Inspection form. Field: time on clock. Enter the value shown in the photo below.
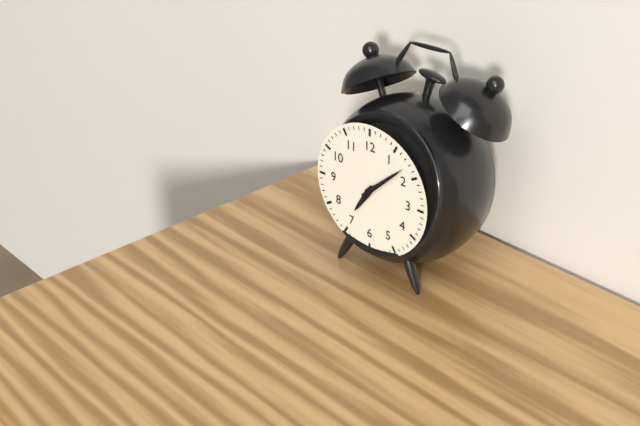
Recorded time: 7:08
